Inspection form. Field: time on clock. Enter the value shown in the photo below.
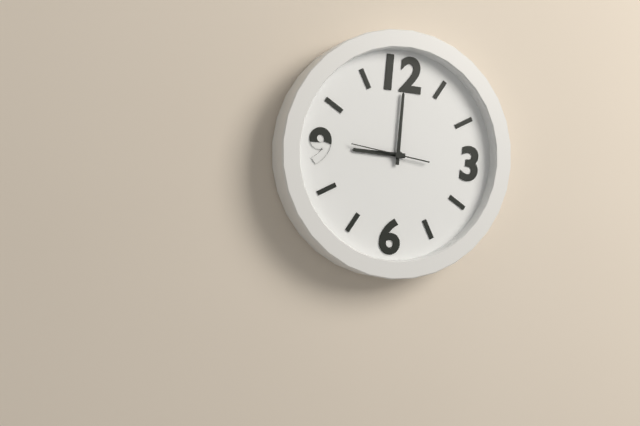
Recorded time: 9:00:46
